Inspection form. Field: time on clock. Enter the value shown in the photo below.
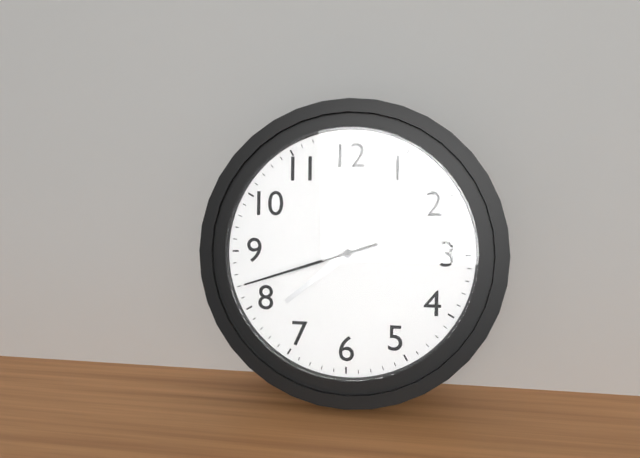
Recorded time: 7:42
